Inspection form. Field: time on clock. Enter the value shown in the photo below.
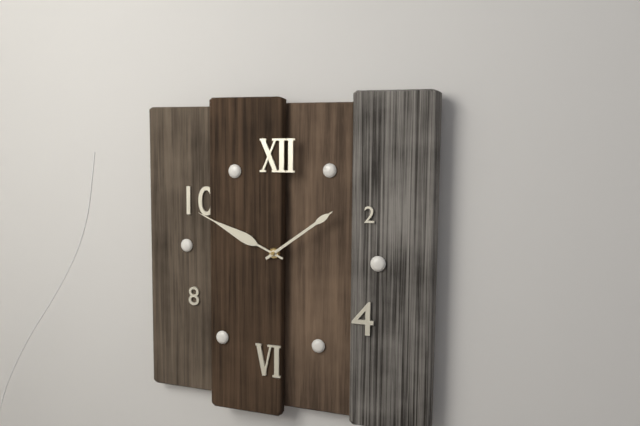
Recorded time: 1:49
